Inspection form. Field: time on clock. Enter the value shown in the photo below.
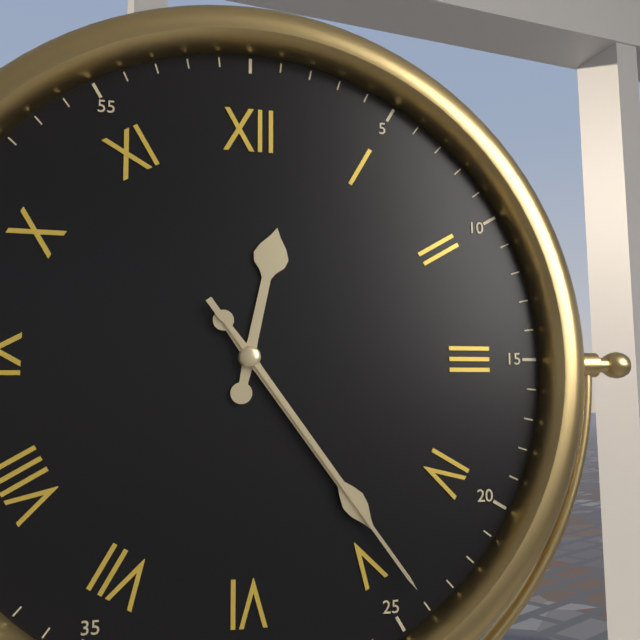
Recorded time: 12:24:24
